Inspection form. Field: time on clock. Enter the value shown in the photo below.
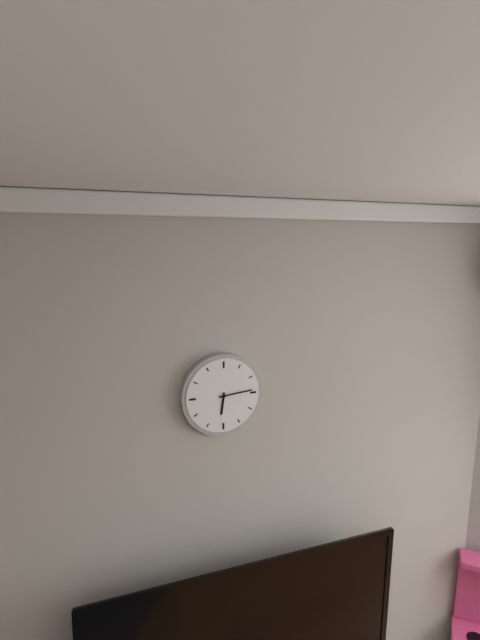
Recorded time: 6:14
